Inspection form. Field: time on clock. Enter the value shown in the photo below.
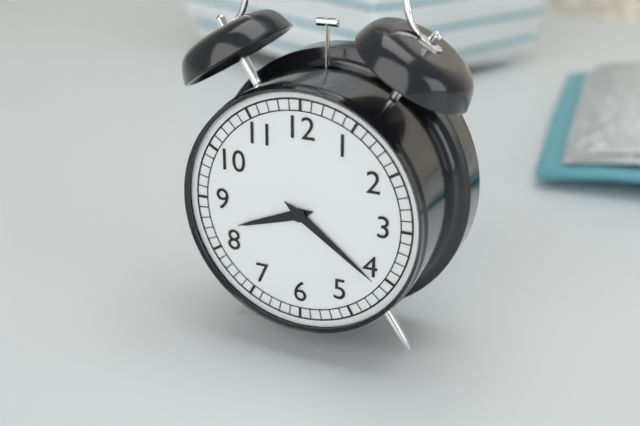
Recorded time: 8:21
